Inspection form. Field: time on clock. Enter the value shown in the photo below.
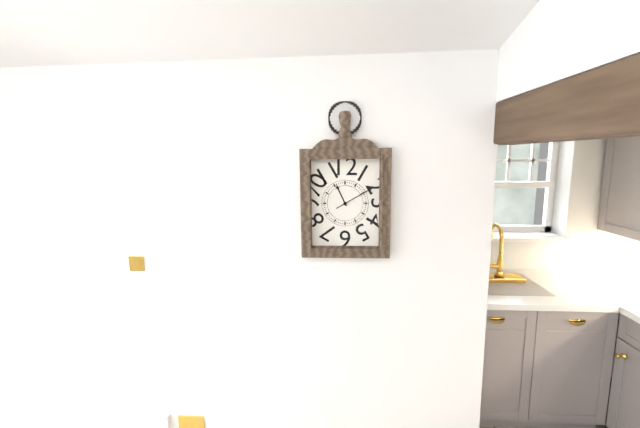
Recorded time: 11:10
